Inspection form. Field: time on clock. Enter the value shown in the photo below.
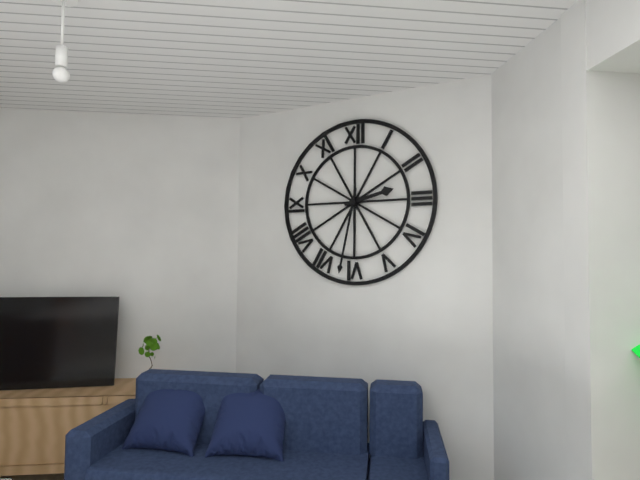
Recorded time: 2:32
